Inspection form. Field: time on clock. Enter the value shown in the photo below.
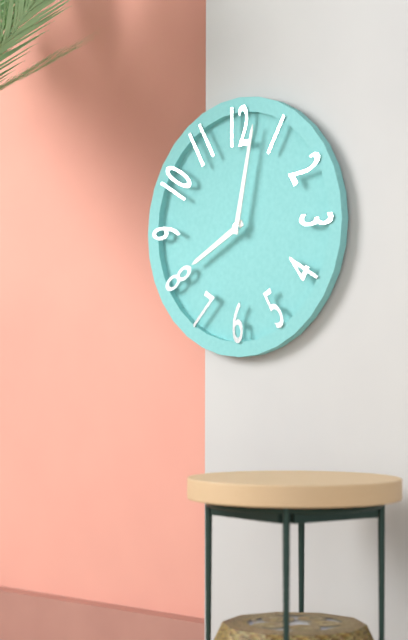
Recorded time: 8:02
